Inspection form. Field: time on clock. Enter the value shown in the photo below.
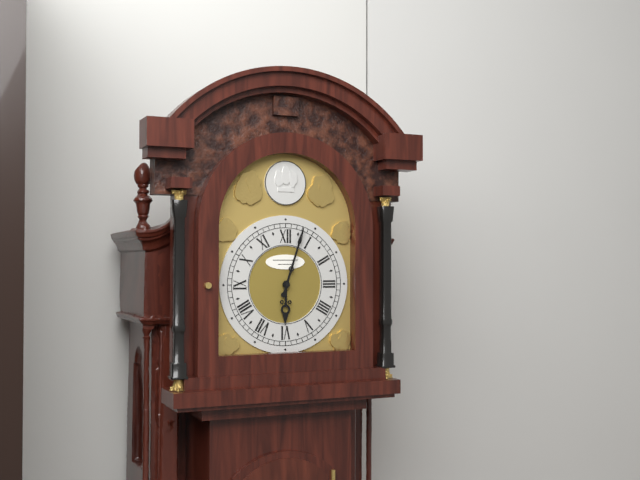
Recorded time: 6:03
